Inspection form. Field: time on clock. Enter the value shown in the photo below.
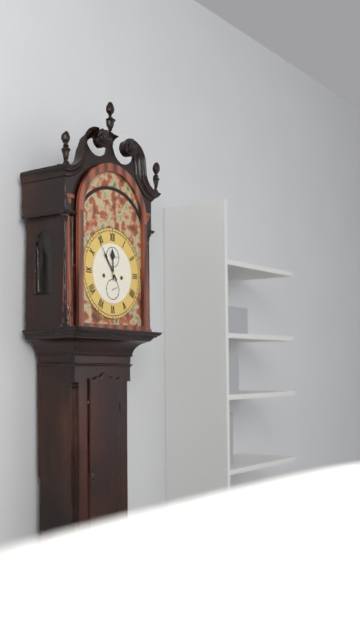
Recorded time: 11:54
